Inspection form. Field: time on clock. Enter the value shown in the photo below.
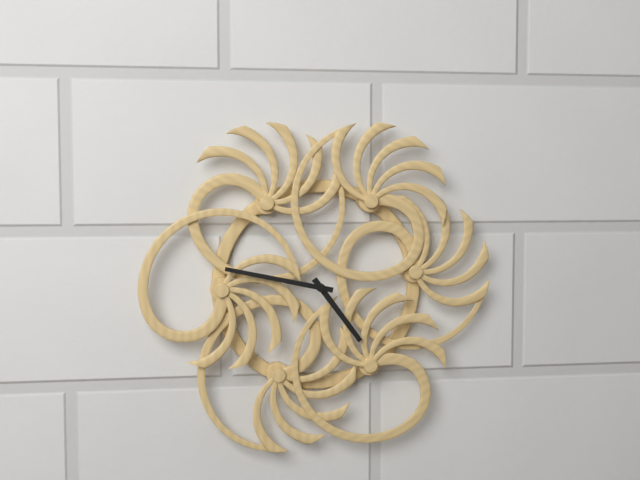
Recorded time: 4:47
